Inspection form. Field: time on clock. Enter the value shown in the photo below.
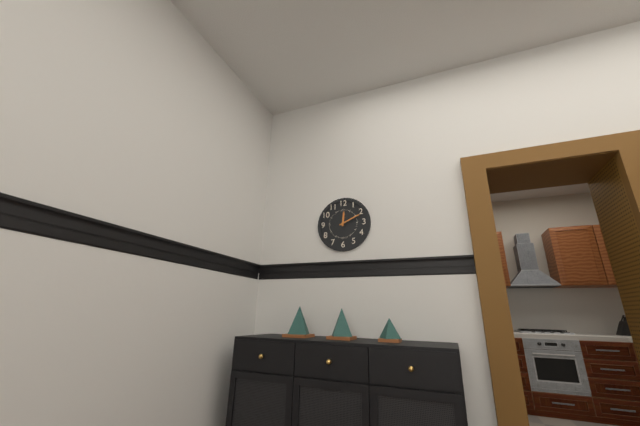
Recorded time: 12:11
